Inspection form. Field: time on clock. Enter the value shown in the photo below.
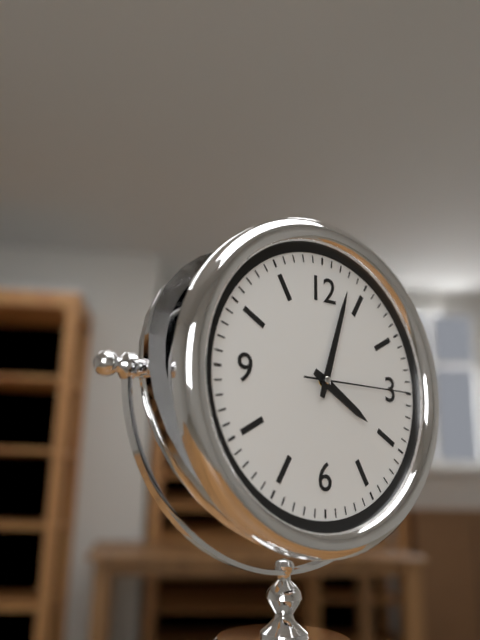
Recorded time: 4:03:15
